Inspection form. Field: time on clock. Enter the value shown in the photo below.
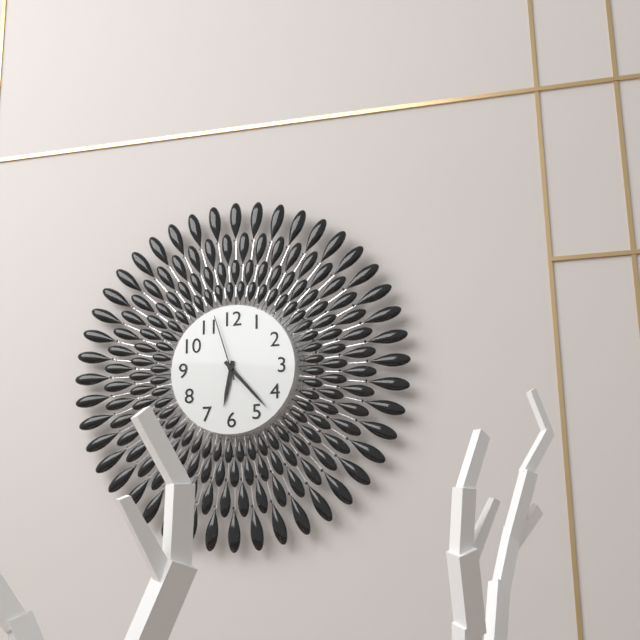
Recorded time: 6:23:57
